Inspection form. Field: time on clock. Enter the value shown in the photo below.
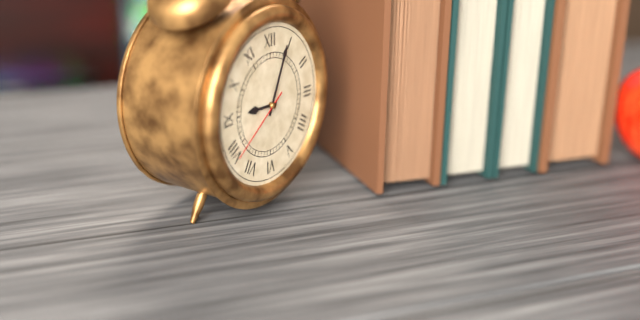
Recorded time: 9:04:39
